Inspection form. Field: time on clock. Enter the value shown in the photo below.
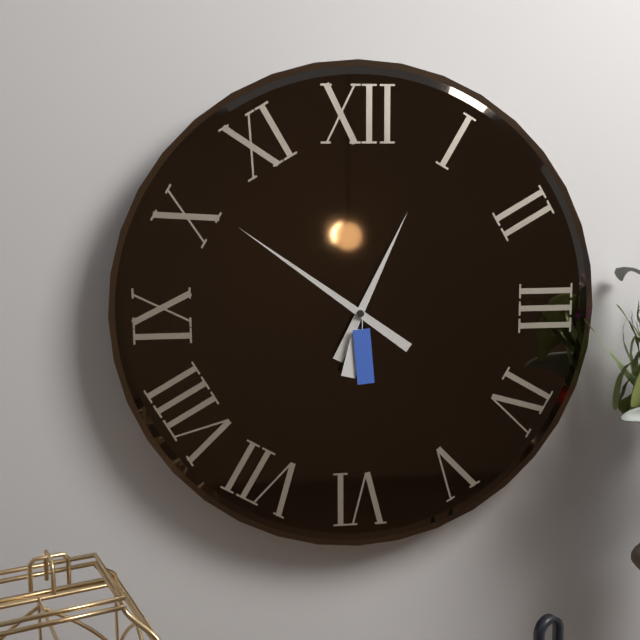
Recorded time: 12:51
